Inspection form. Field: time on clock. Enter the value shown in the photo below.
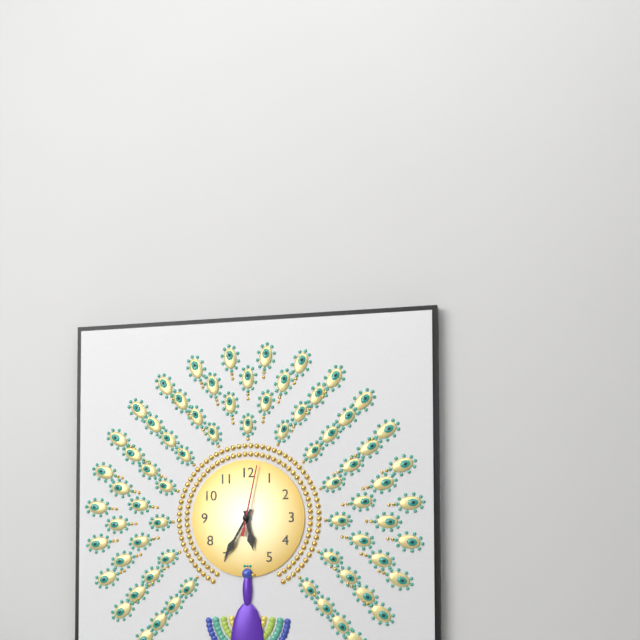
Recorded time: 5:35:02
